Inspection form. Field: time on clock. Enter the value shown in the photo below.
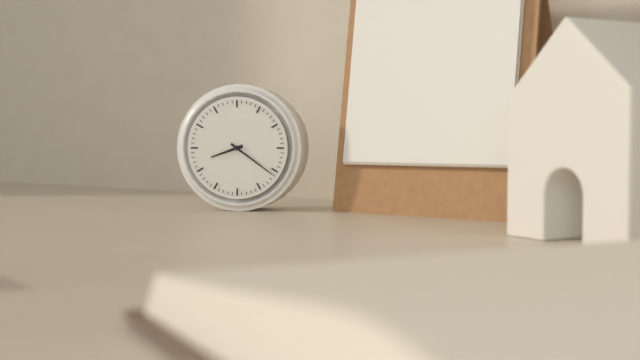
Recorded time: 8:21
